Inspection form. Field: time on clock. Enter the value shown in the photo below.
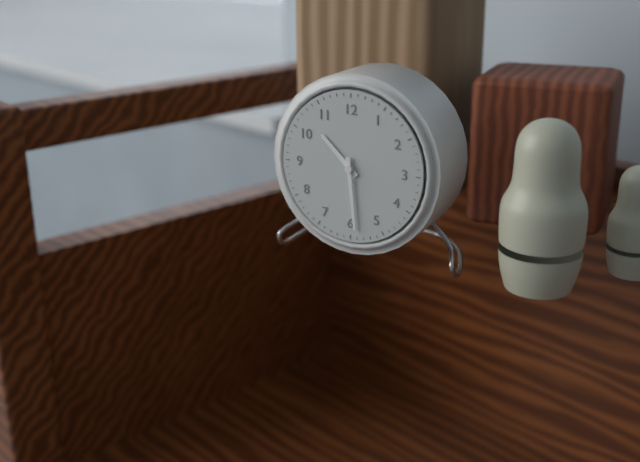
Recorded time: 10:29
